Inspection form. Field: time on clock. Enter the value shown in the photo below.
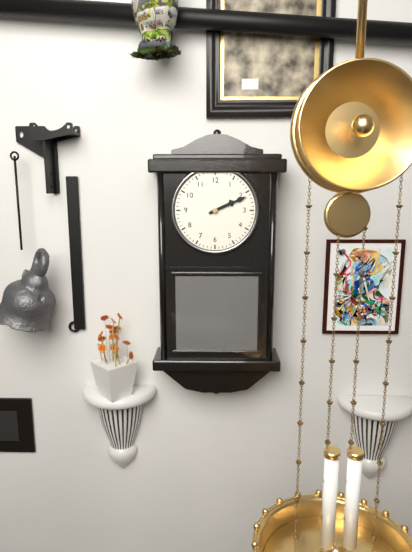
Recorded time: 2:11
